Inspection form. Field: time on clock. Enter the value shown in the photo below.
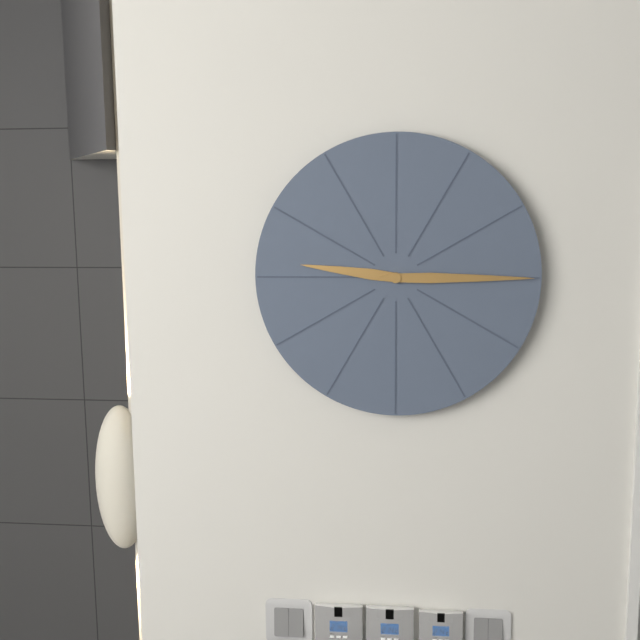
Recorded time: 9:15
